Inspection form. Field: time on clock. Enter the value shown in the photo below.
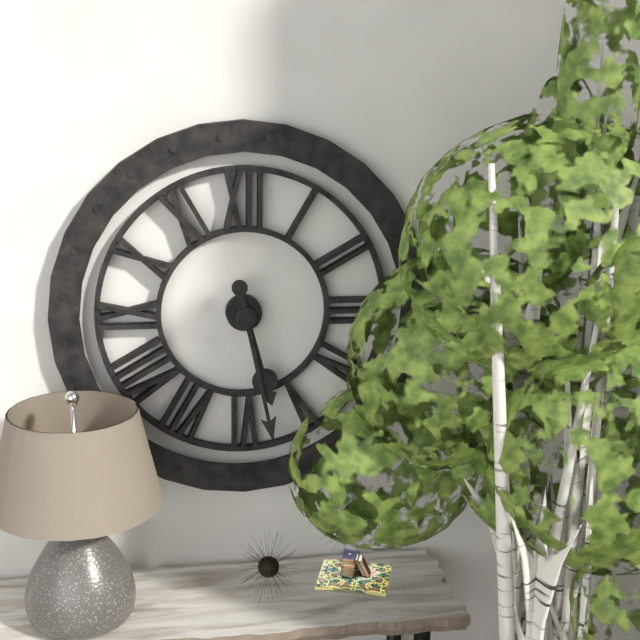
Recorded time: 5:28
